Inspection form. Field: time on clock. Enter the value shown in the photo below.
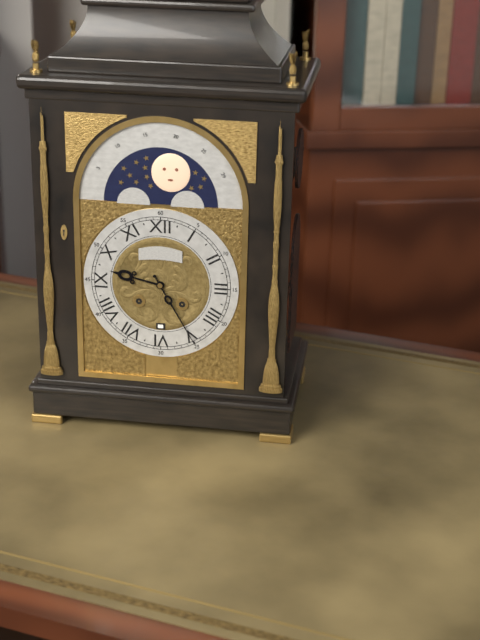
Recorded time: 9:25
